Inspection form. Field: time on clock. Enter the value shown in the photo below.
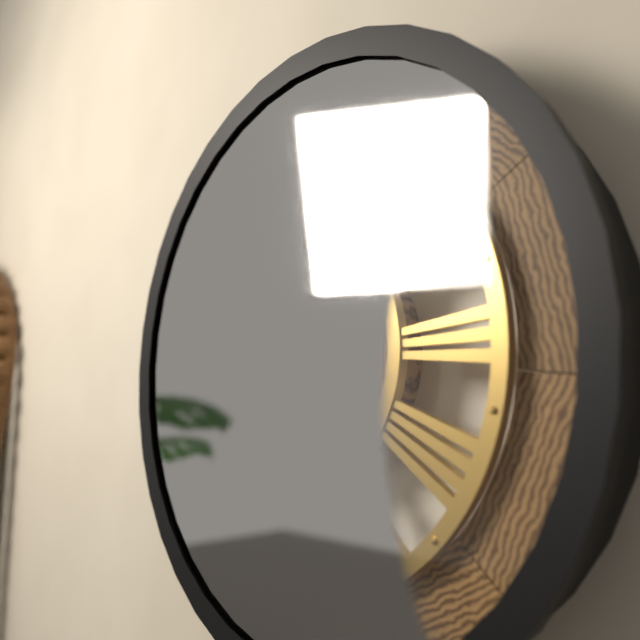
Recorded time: 9:30
